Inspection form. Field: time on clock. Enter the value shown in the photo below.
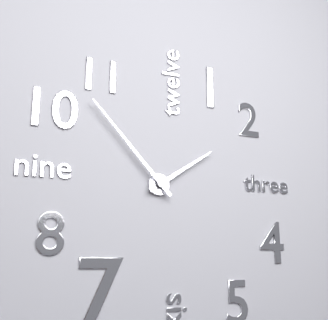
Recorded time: 1:53
